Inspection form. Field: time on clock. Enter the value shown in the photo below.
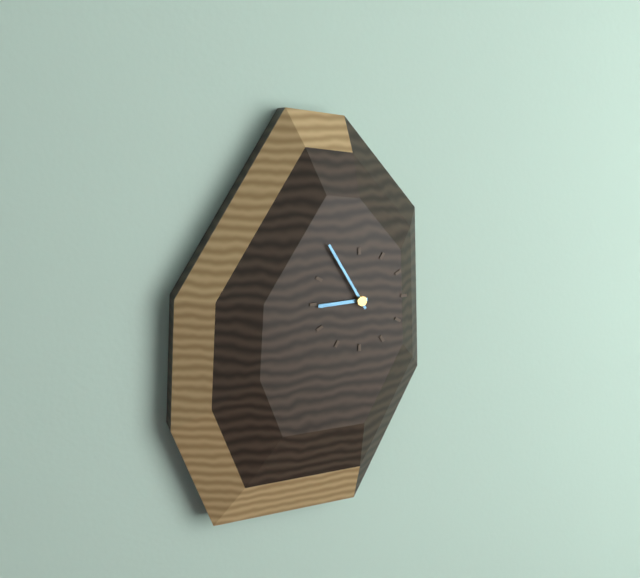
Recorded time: 8:55
